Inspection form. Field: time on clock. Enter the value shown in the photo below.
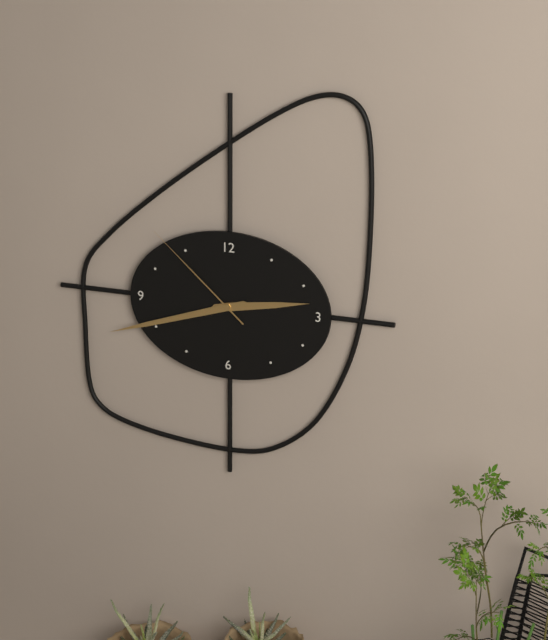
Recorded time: 2:42:52
